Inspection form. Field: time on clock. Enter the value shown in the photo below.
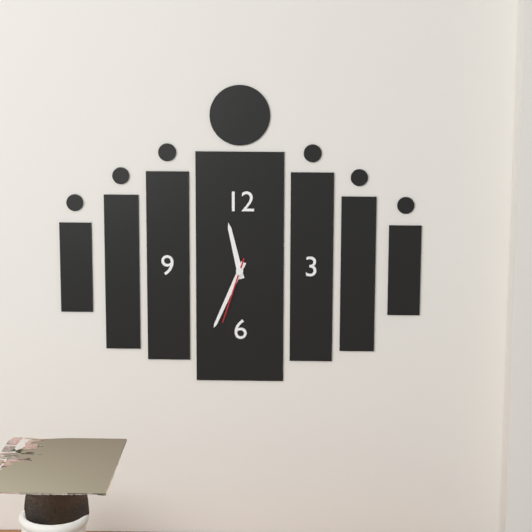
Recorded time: 11:34:33
